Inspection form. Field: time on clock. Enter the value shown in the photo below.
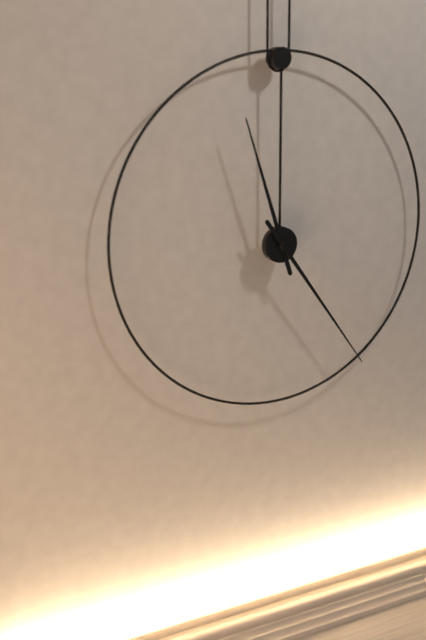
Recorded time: 11:24
